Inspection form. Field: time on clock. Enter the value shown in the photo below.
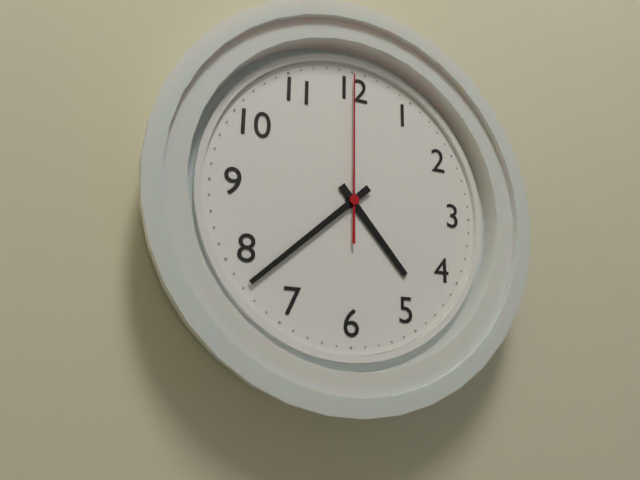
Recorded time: 4:38:00
